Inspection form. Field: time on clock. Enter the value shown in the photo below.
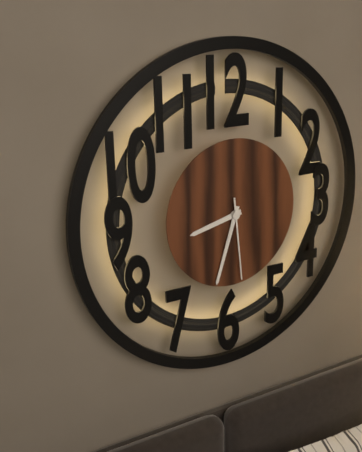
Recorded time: 8:33:29
